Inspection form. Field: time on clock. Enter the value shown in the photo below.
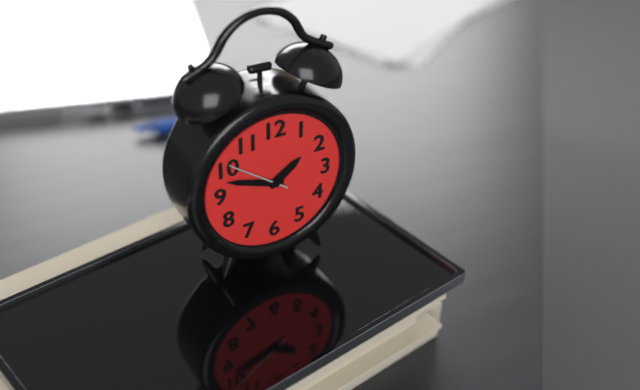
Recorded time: 1:48:51
